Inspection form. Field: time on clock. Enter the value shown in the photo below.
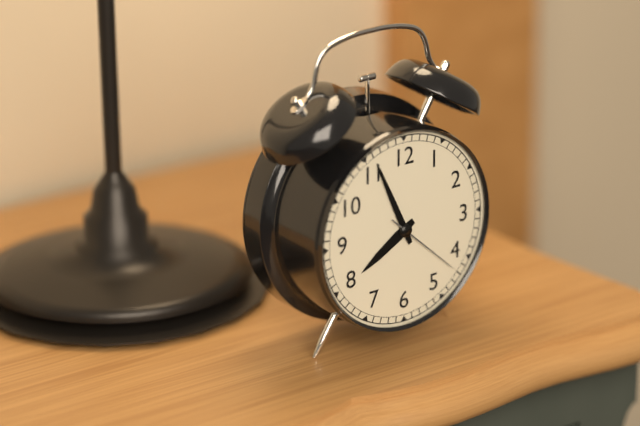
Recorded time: 7:56:22
